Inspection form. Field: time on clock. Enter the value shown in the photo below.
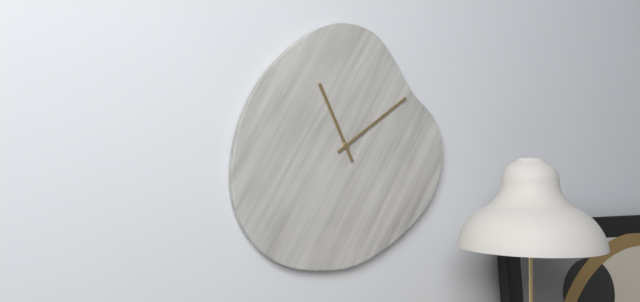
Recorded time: 11:09
